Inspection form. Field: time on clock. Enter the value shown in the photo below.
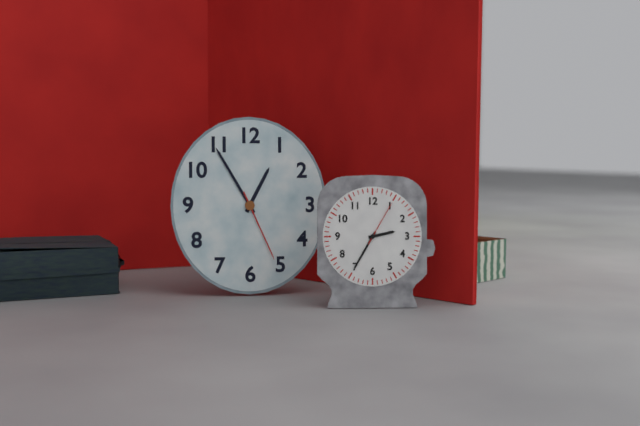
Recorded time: 12:55:26
